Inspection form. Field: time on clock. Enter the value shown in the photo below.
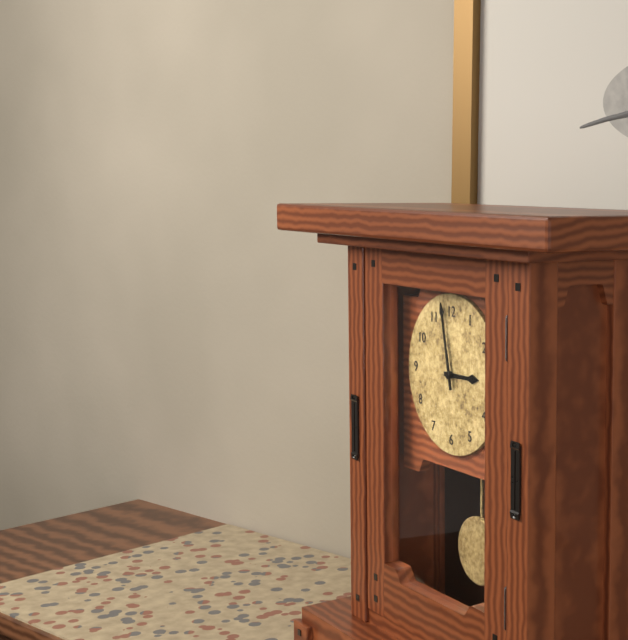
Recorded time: 2:58
